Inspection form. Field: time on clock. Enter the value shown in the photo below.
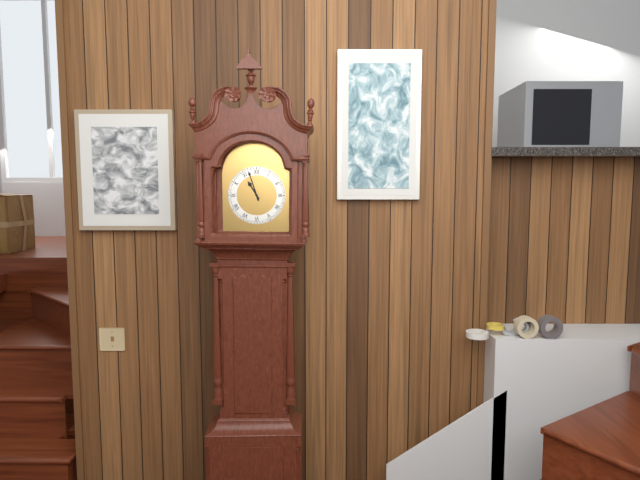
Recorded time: 10:57
